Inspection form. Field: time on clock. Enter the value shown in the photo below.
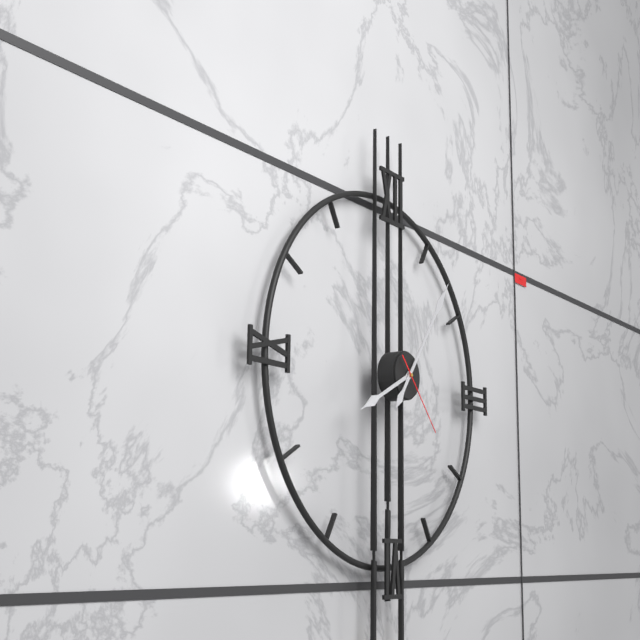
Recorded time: 8:06:23
